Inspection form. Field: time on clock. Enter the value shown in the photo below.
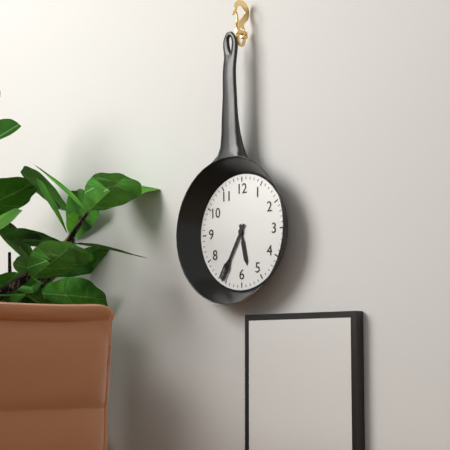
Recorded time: 5:35
